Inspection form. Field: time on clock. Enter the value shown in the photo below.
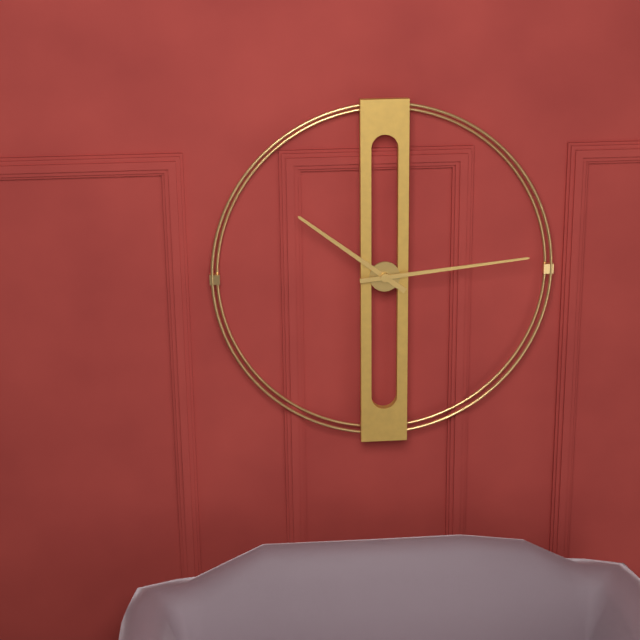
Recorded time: 10:14
